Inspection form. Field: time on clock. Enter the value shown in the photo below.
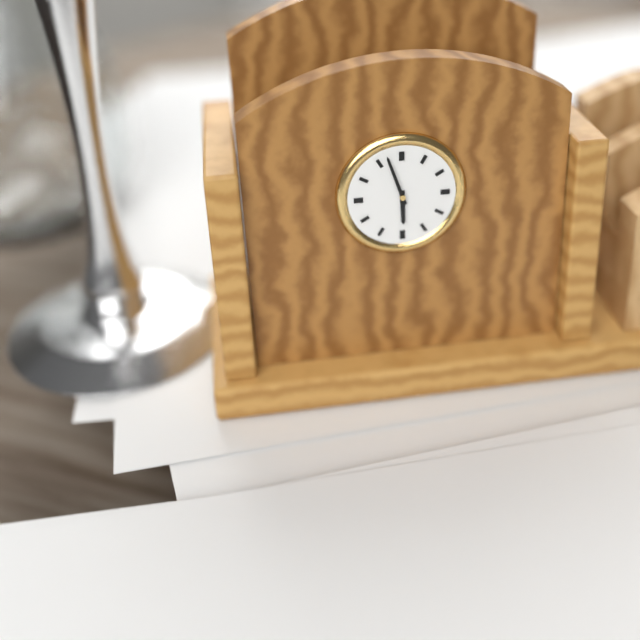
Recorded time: 5:57
